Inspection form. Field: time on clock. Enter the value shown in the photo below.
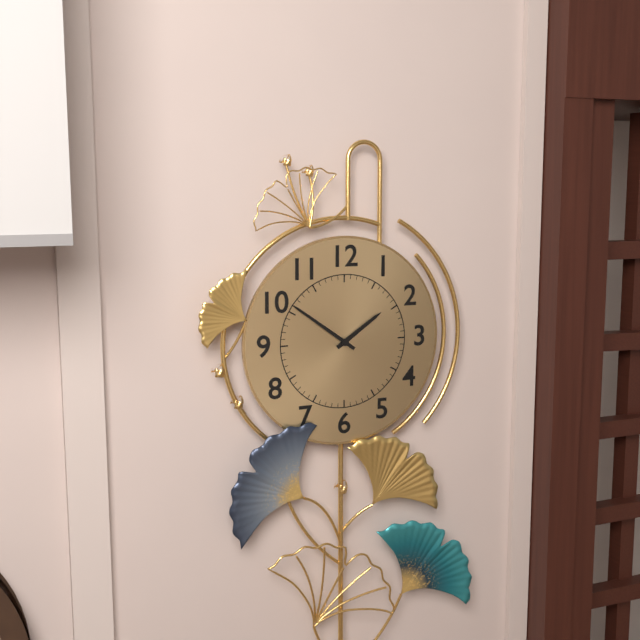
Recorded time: 1:51
